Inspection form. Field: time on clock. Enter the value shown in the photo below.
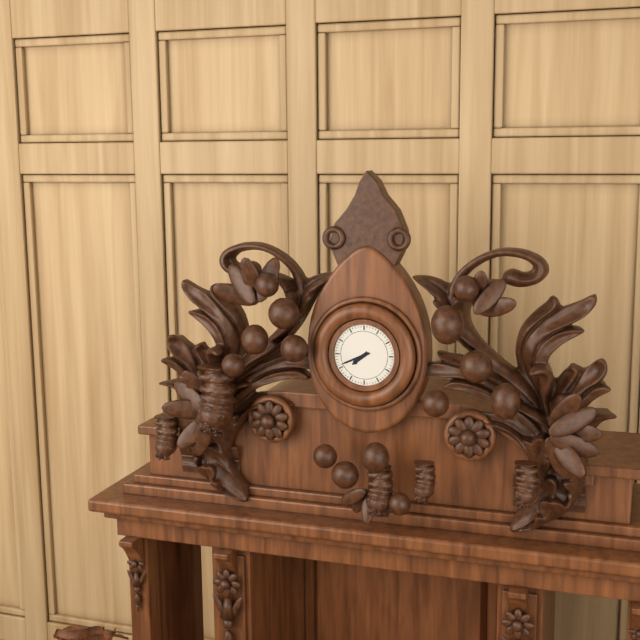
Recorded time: 7:41
